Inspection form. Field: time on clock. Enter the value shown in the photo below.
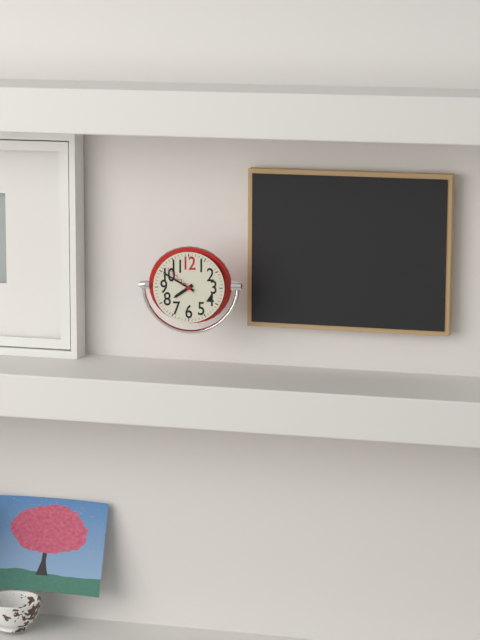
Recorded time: 7:50
